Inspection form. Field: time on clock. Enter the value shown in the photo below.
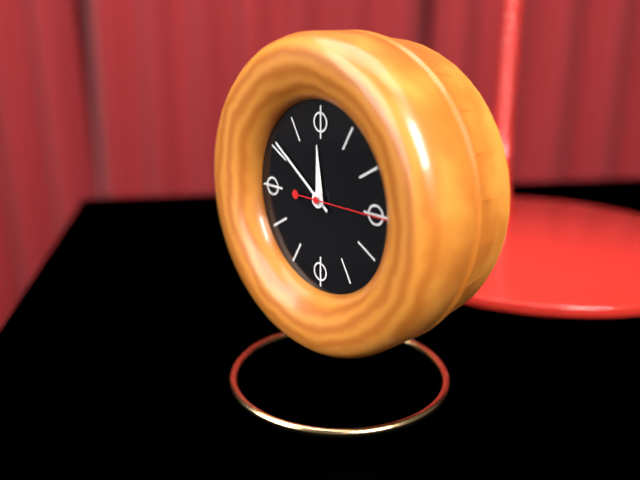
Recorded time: 11:51:15
